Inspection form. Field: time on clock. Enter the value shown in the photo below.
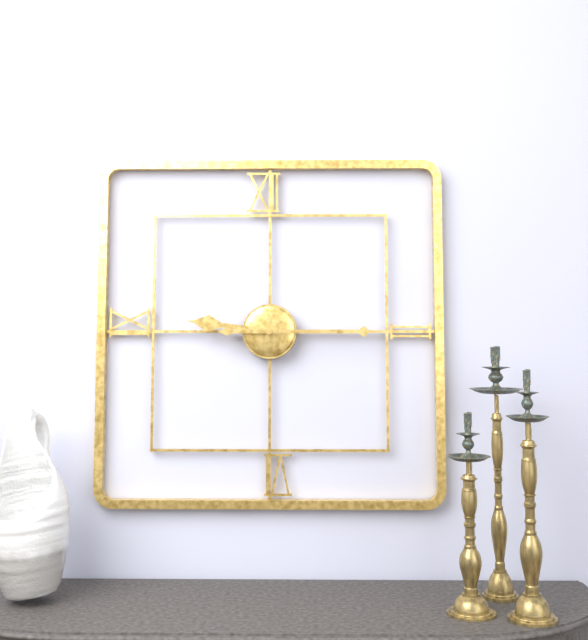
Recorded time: 9:15
